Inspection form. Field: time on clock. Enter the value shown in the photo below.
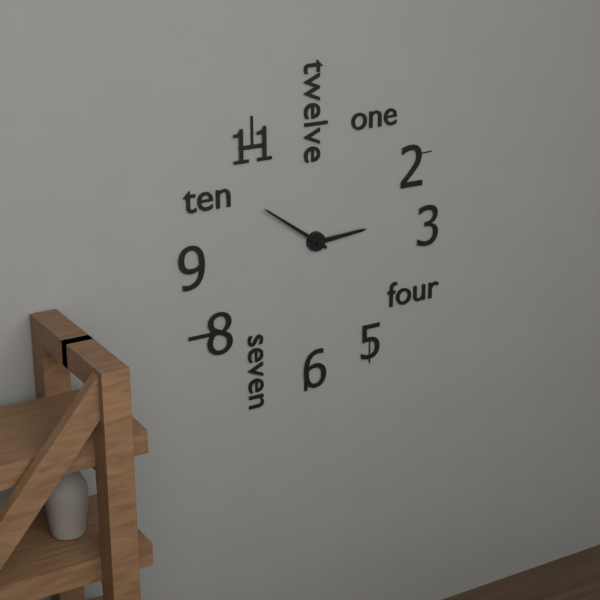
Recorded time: 2:51
